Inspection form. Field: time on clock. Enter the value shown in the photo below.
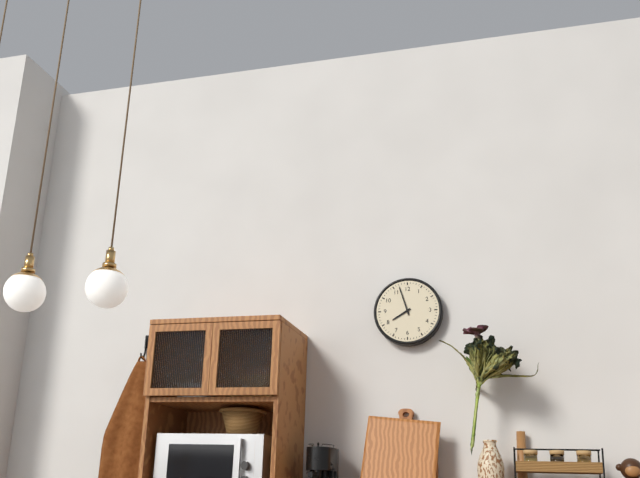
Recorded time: 7:57
